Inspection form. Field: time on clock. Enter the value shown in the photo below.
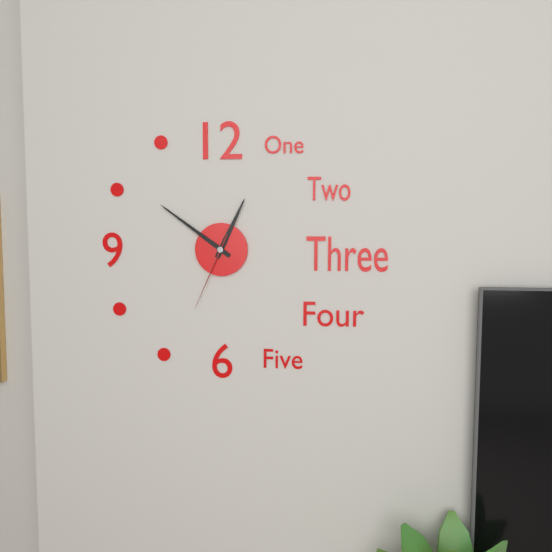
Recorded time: 12:51:34
